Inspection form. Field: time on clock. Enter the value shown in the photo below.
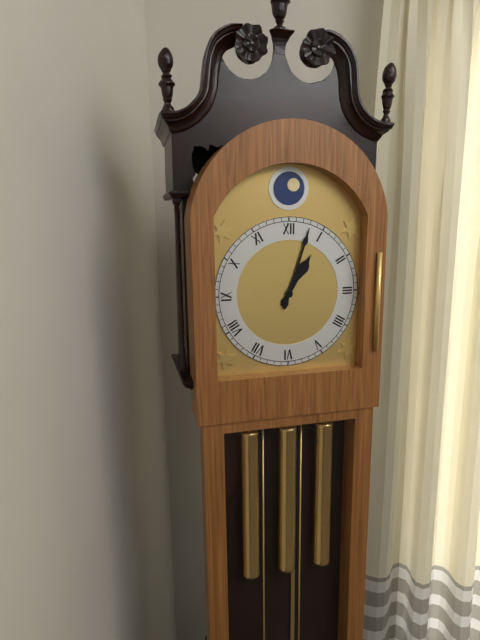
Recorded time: 1:03
